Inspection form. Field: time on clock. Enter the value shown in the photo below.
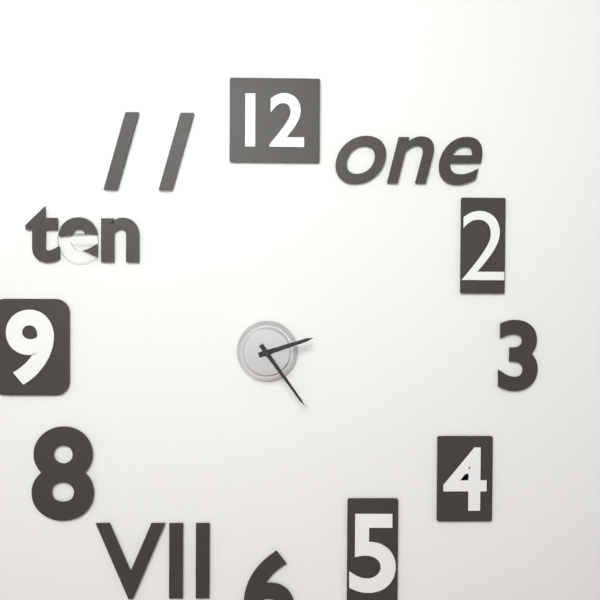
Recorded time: 2:24
